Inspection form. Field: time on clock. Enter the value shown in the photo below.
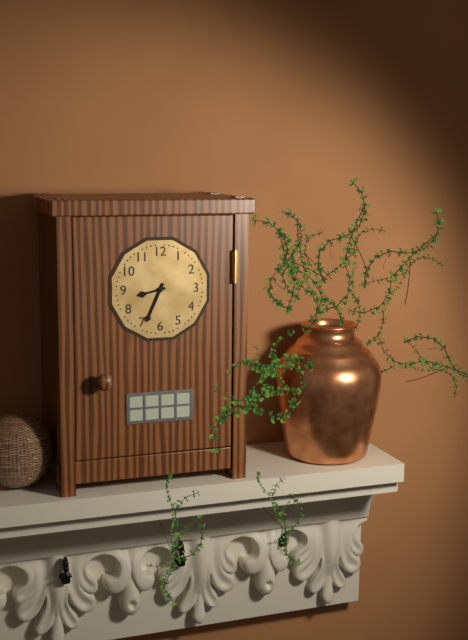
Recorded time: 8:34
